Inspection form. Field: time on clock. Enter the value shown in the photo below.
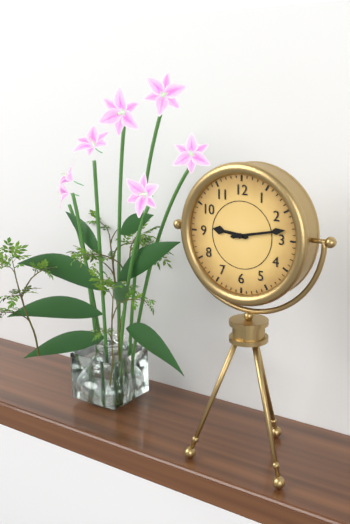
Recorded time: 9:13
